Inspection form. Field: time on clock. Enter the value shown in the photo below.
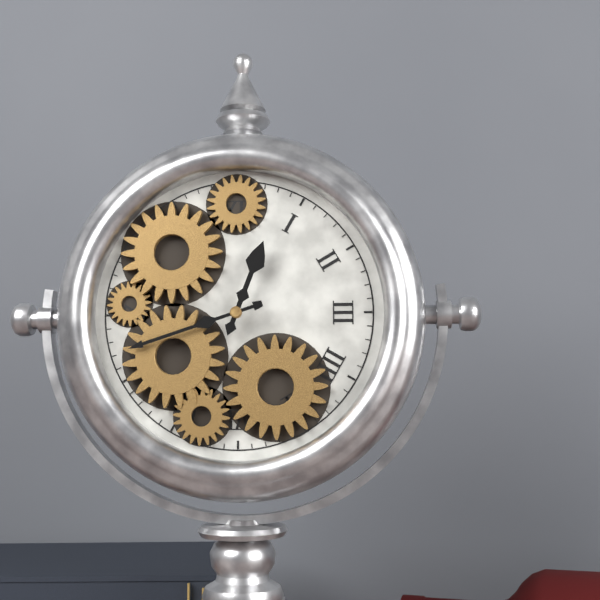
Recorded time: 12:42
